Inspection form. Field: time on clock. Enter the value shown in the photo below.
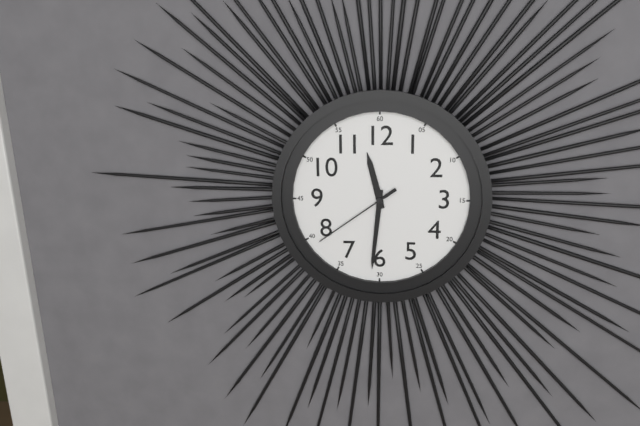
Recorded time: 11:31:39
